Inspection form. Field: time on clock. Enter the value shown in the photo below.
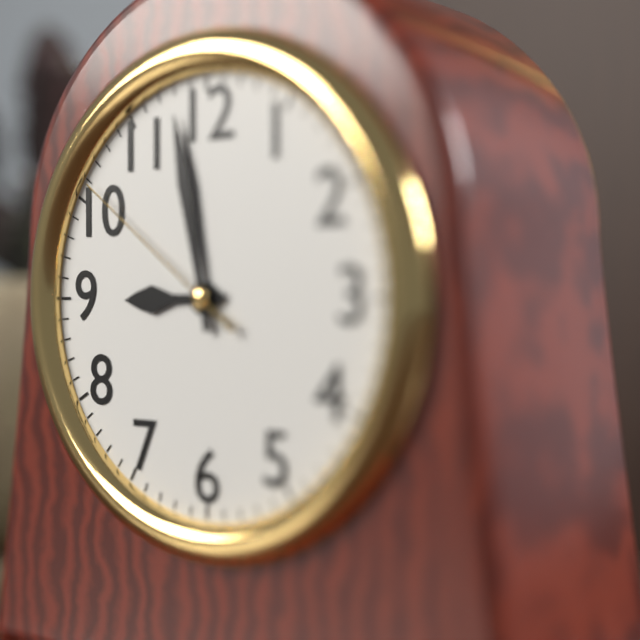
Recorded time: 8:58:51
